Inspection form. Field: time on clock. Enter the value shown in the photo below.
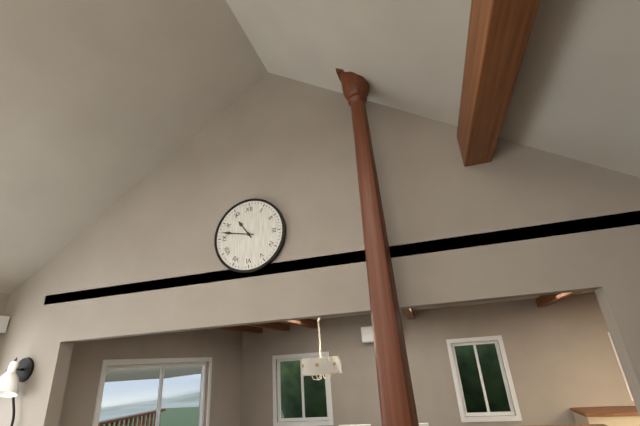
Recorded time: 10:47
